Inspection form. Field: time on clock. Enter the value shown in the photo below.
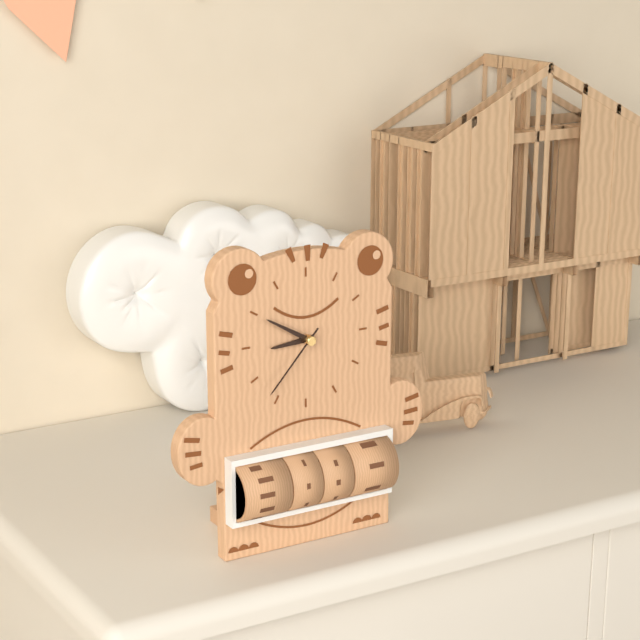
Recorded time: 8:50:37
